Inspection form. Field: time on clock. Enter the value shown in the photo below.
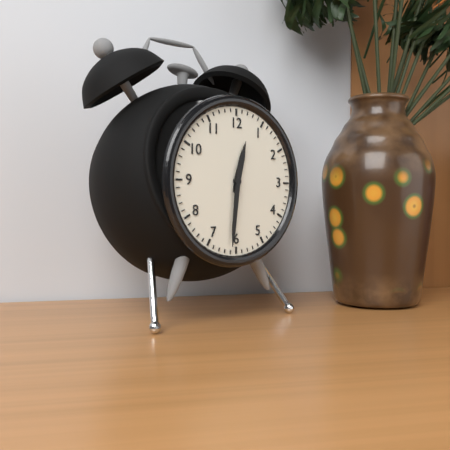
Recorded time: 12:31
